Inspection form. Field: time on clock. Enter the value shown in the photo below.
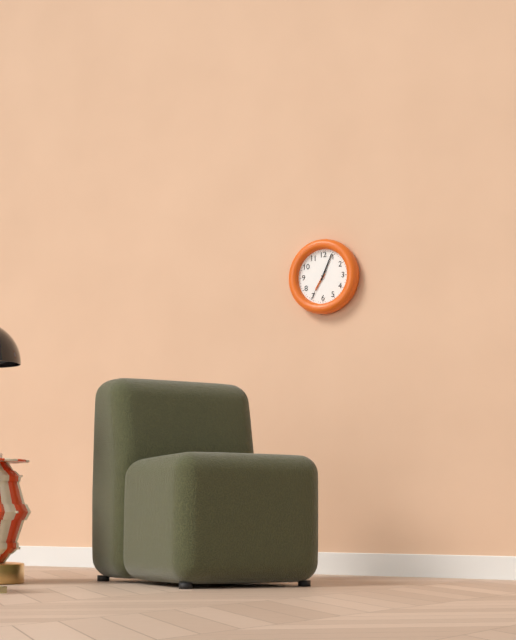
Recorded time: 7:04
